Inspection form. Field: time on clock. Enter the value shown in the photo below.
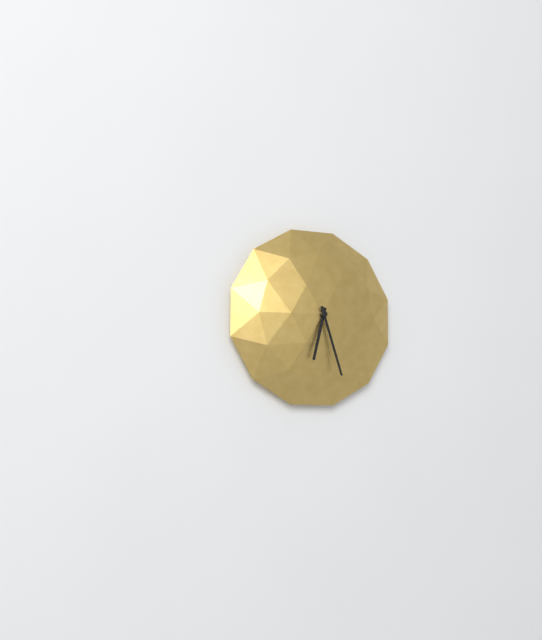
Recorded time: 6:27
